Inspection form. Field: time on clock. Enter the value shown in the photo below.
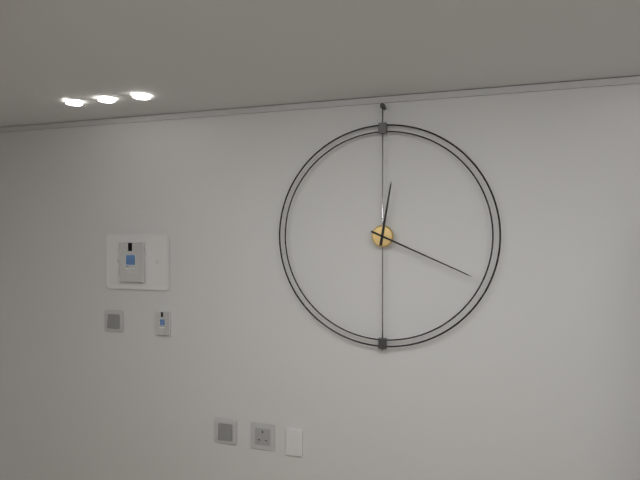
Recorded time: 12:19
